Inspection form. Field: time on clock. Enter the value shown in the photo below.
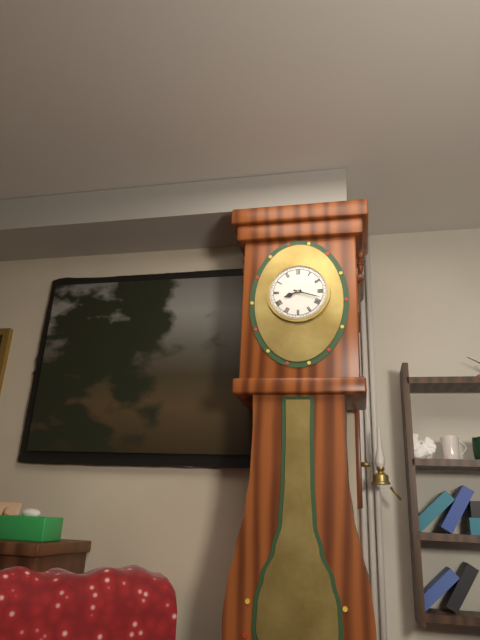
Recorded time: 8:18
